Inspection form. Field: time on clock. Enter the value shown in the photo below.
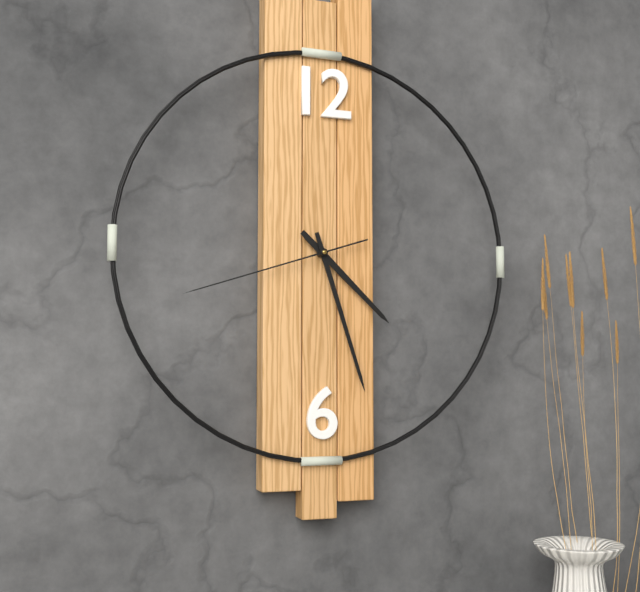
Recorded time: 4:27:42
